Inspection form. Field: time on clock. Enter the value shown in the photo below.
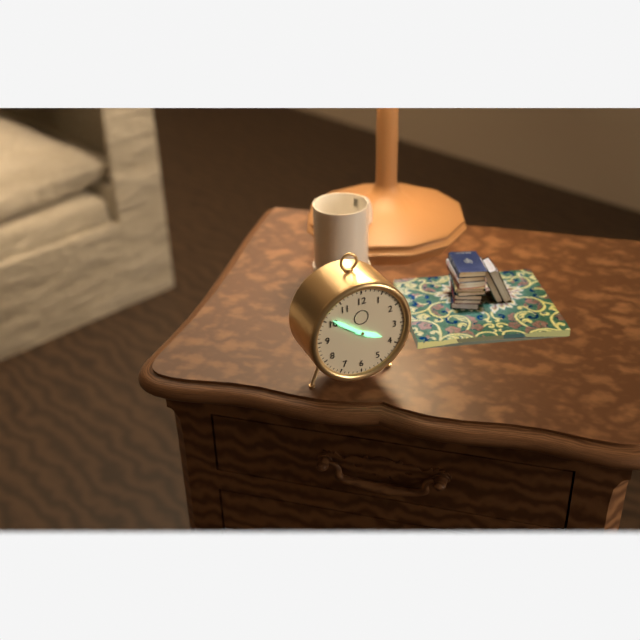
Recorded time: 3:51
